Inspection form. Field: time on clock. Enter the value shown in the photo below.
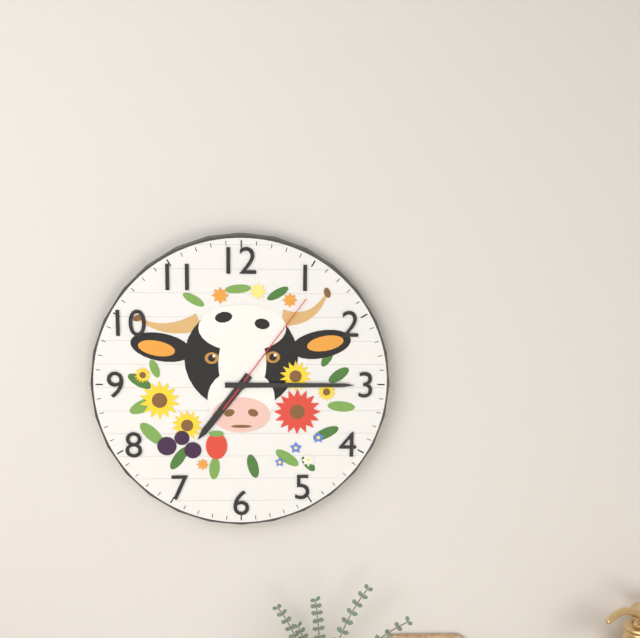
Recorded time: 7:15:06
